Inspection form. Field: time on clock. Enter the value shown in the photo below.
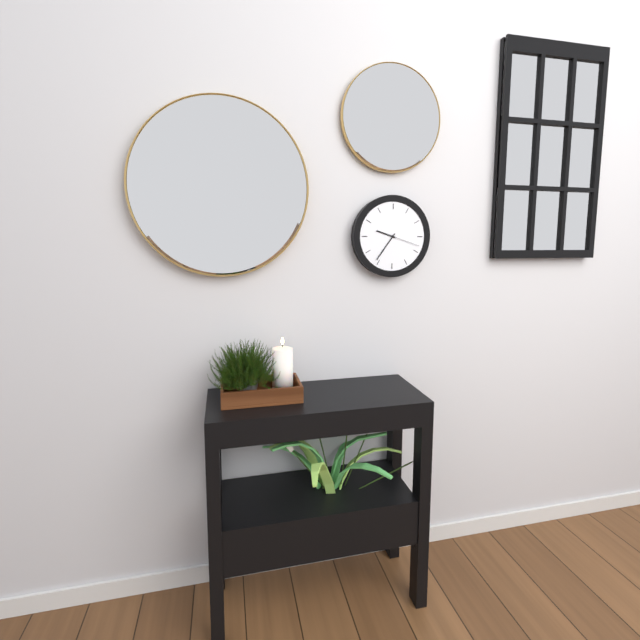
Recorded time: 9:36
